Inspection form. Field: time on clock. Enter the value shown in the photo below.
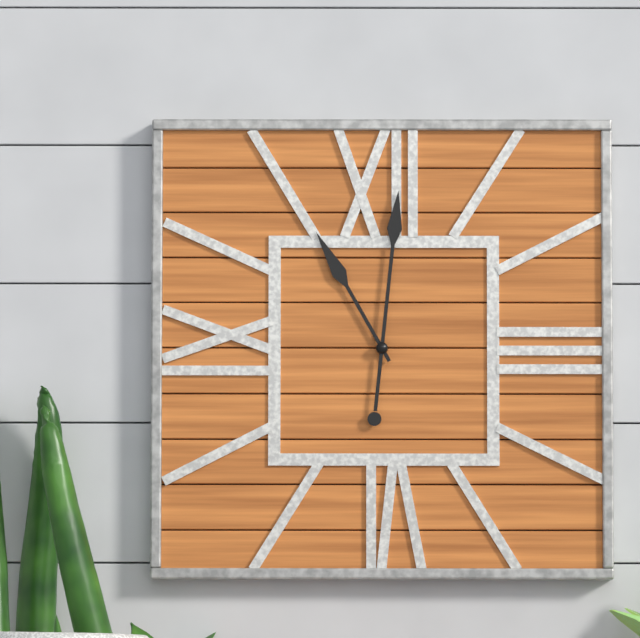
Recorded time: 11:01
